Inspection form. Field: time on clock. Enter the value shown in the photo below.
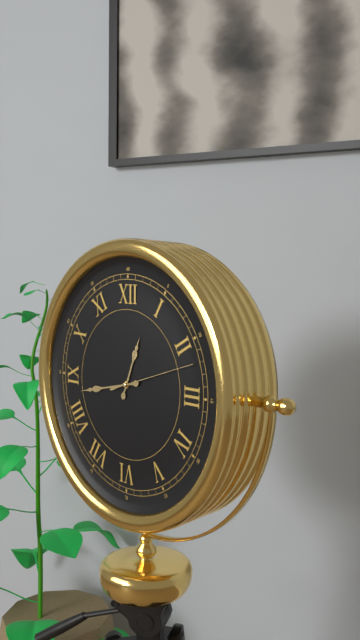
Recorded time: 12:43:12
